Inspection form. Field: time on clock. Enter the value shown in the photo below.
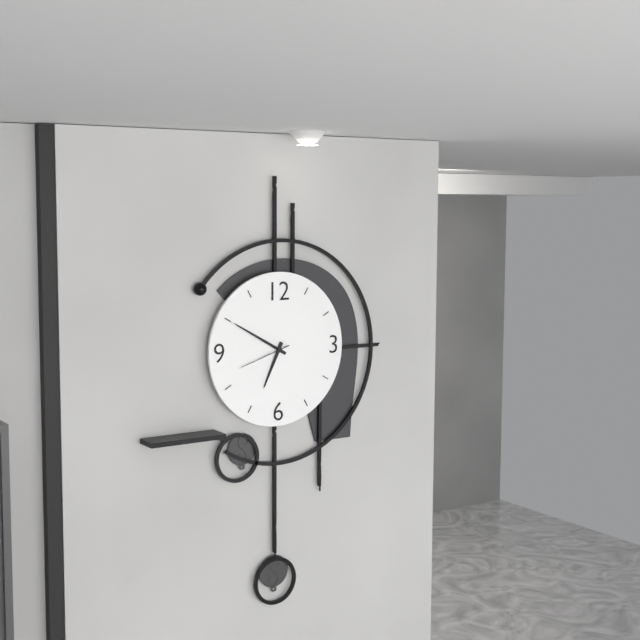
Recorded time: 6:50:42
